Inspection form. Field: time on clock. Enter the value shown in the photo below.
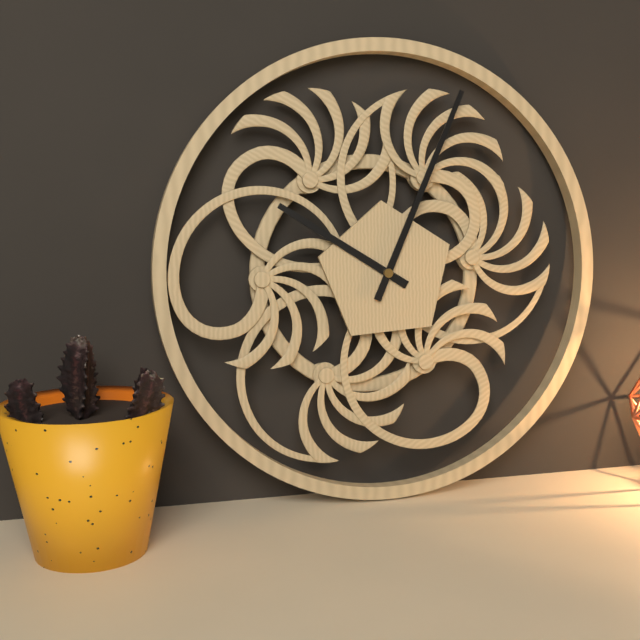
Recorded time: 10:04
